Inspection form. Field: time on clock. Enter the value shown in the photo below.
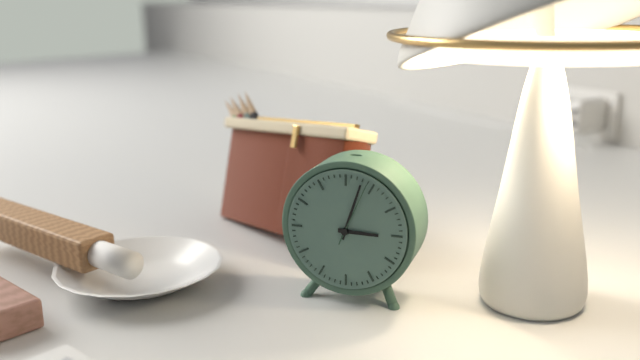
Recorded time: 3:03:04
